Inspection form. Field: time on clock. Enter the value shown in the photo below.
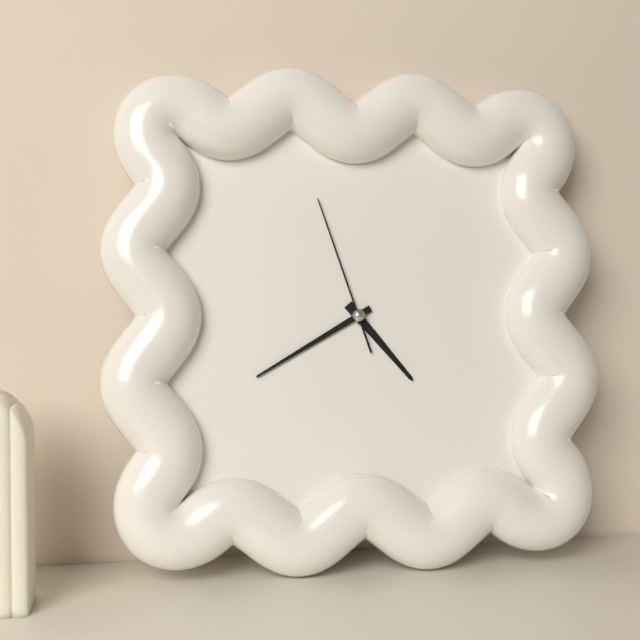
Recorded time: 4:40:57
